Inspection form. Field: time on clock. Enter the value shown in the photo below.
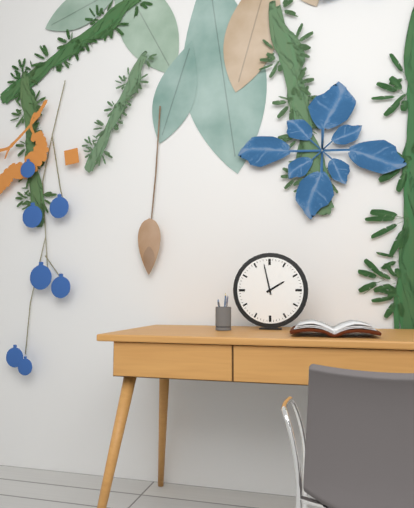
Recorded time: 1:58
